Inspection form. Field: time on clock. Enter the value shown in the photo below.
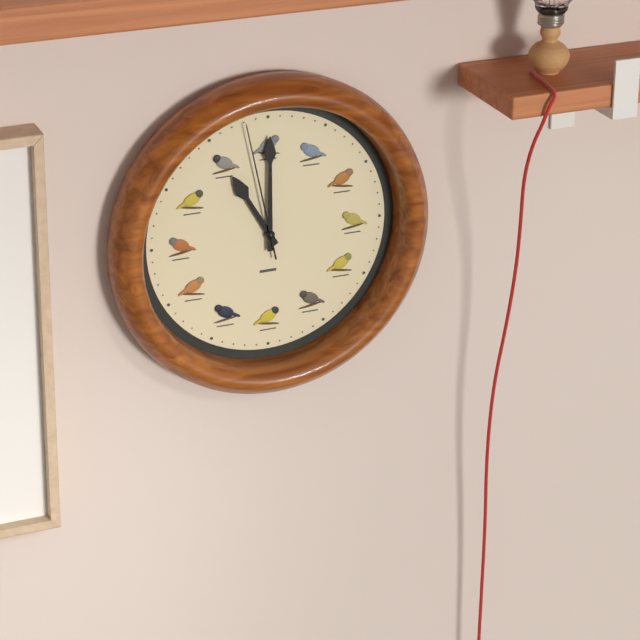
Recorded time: 11:00:58
